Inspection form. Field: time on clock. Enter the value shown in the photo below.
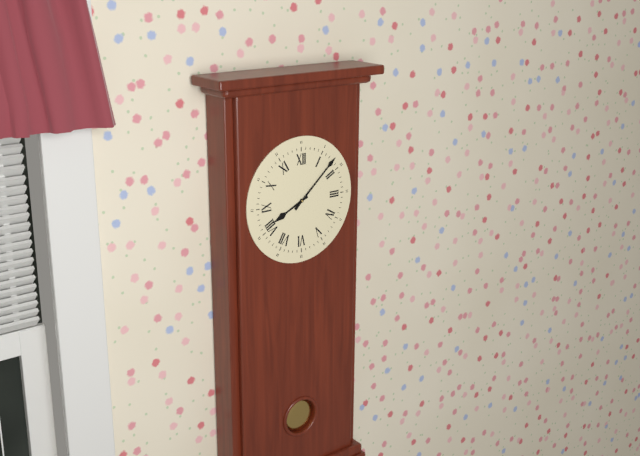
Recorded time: 8:08
